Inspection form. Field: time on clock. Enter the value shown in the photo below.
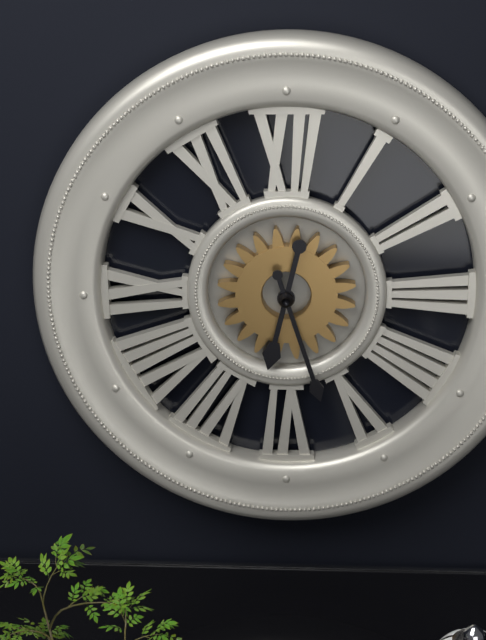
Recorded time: 6:27
